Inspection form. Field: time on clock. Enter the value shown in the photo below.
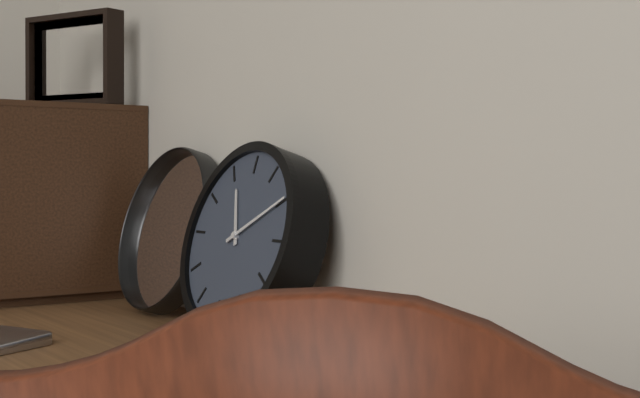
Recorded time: 11:10
